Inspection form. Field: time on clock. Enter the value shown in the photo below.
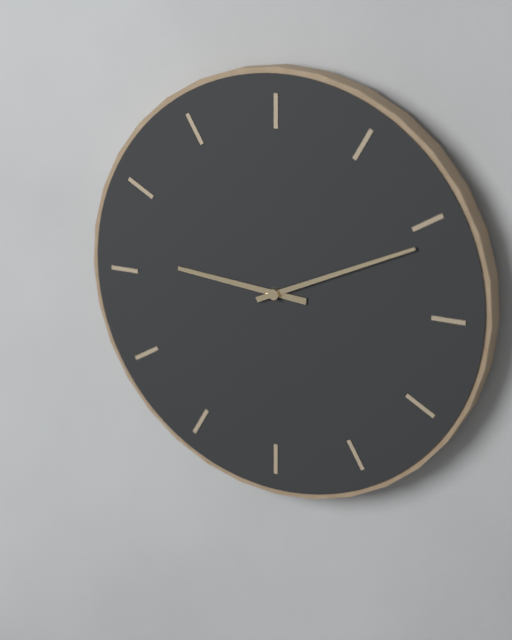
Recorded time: 9:11
